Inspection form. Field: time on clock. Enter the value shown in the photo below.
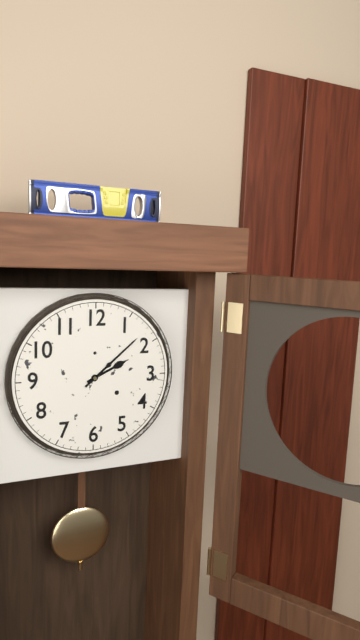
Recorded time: 2:08
